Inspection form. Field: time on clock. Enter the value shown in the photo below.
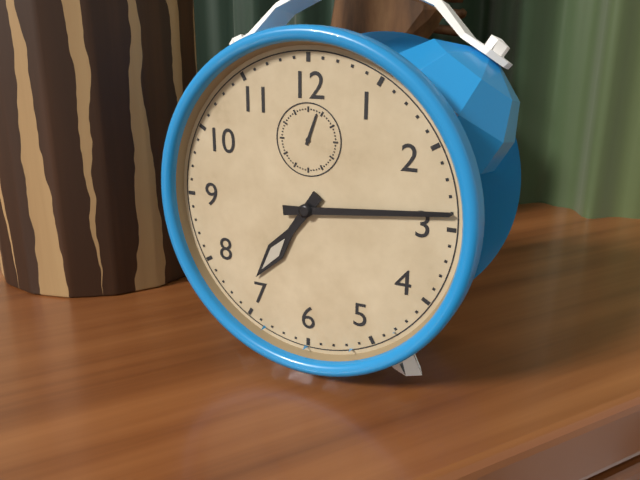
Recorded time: 7:14
